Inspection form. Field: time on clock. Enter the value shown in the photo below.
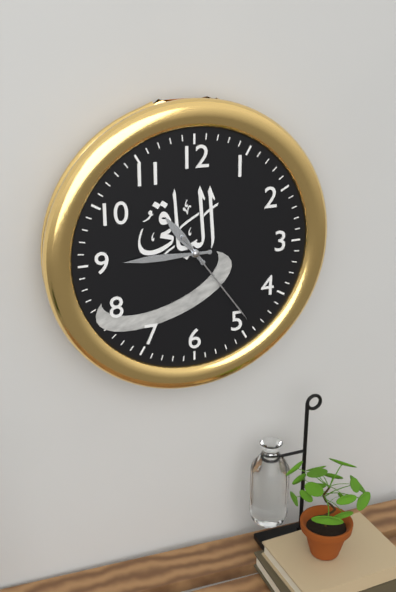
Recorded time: 10:45:24
